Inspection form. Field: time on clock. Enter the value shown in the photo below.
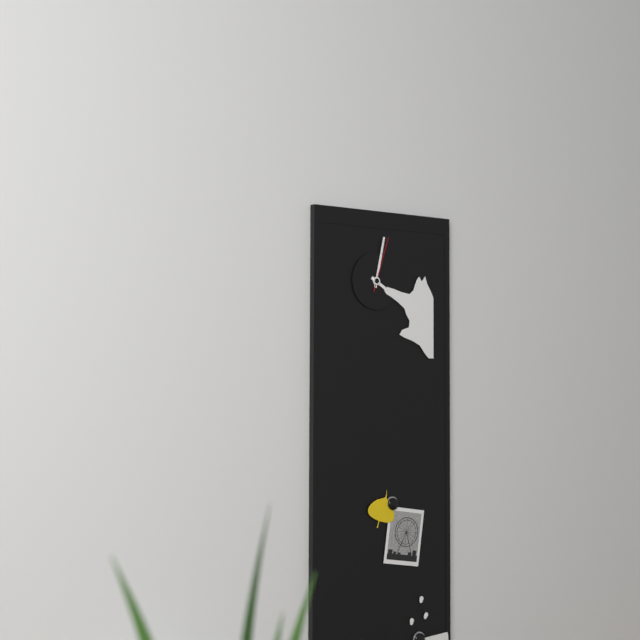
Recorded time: 4:02:03
